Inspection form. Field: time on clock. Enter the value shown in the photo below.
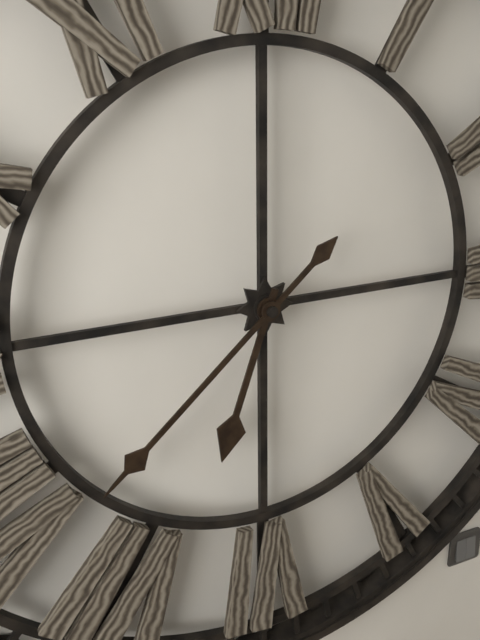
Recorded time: 6:38
